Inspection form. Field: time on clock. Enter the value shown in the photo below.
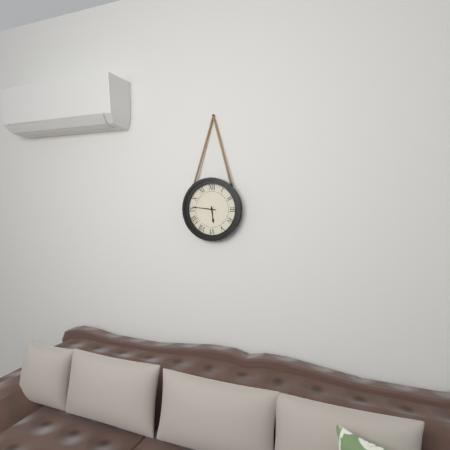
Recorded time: 5:46
